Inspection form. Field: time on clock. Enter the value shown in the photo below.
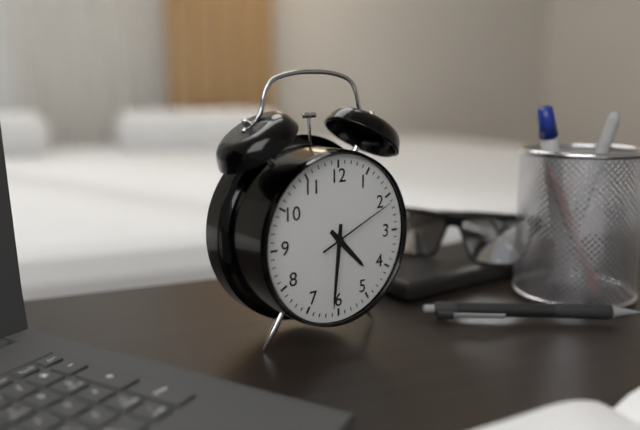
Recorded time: 4:31:11
